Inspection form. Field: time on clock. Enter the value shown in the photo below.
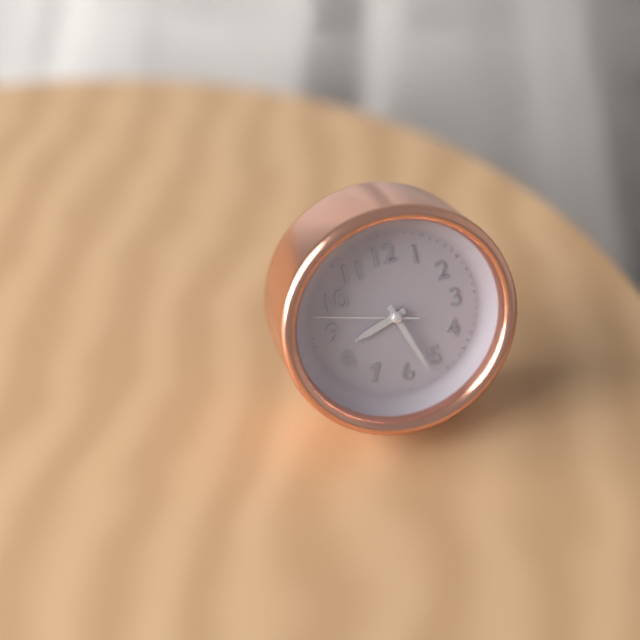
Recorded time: 8:27:48
